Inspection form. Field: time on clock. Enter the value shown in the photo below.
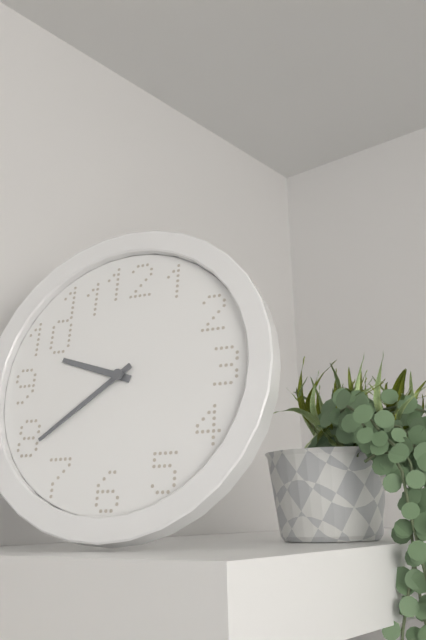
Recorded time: 9:39
